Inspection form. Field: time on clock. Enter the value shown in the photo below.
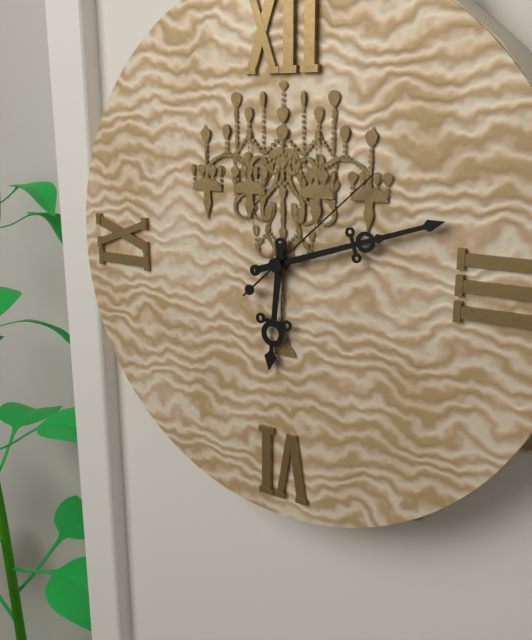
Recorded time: 6:12:08
